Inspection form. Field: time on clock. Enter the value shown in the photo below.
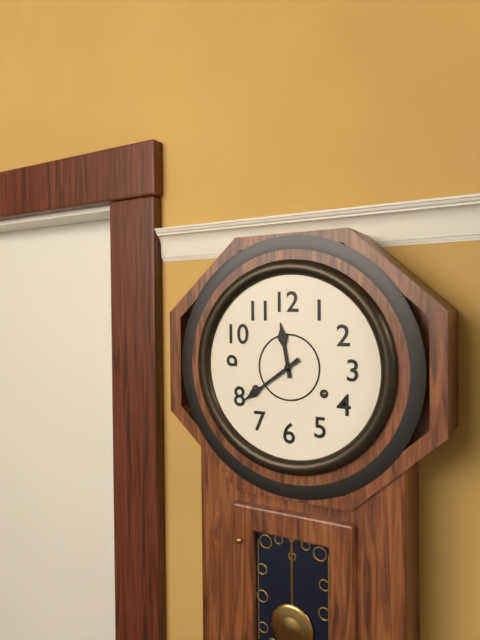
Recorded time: 11:39
